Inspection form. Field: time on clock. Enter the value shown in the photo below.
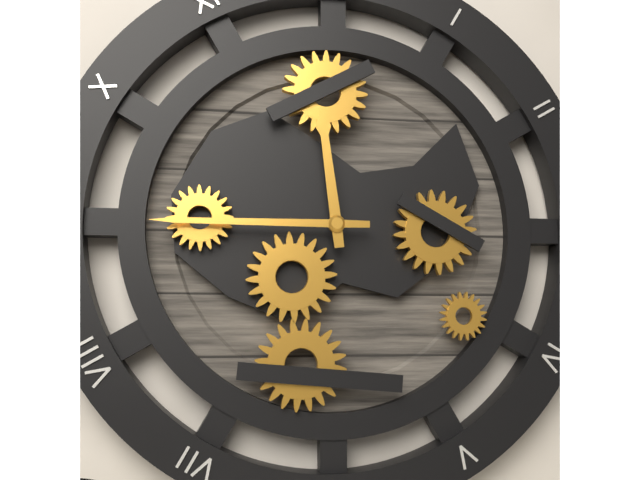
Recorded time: 11:45
